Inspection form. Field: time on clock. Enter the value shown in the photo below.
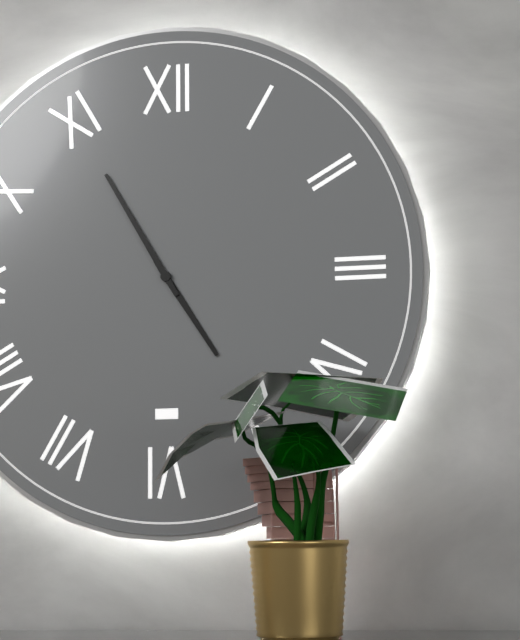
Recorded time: 4:55
